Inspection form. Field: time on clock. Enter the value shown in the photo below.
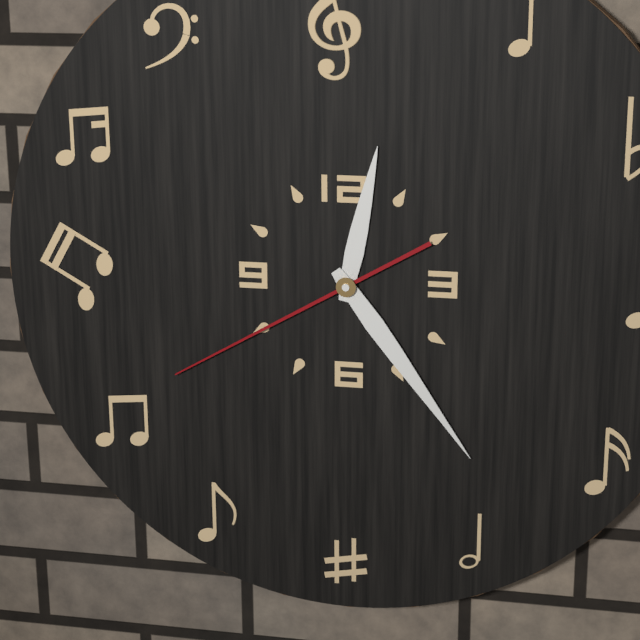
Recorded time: 12:24:40
